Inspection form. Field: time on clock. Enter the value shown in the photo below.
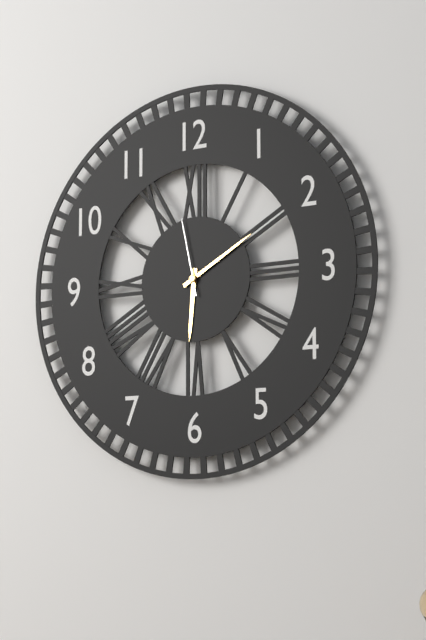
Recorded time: 6:10:58
